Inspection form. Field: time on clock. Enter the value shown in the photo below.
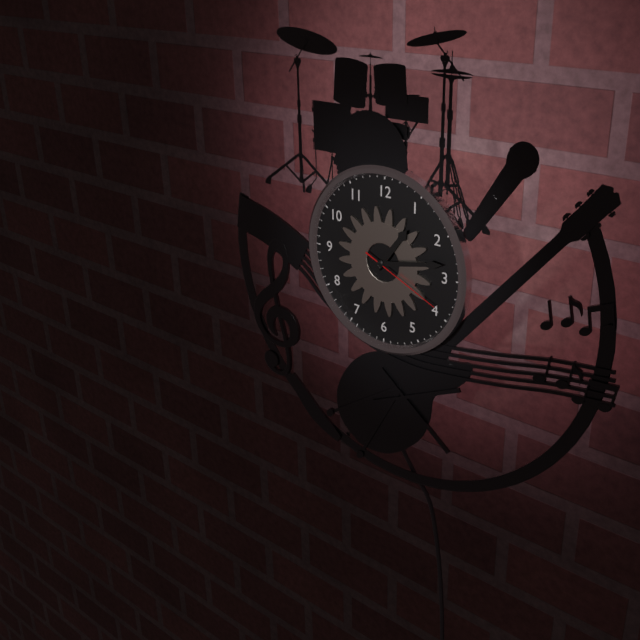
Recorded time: 1:13:19
